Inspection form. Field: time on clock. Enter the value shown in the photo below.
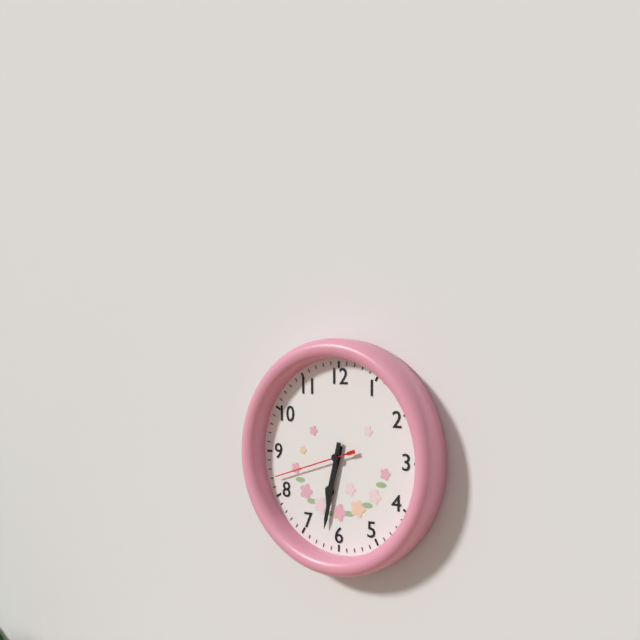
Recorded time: 6:32:42
